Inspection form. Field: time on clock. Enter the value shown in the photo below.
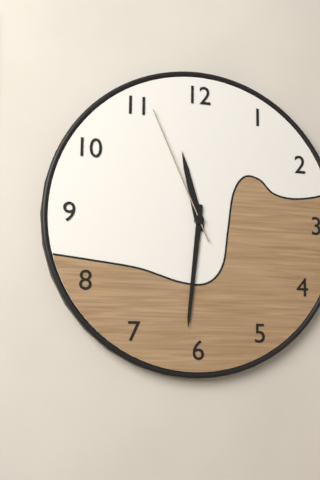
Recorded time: 11:31:56
